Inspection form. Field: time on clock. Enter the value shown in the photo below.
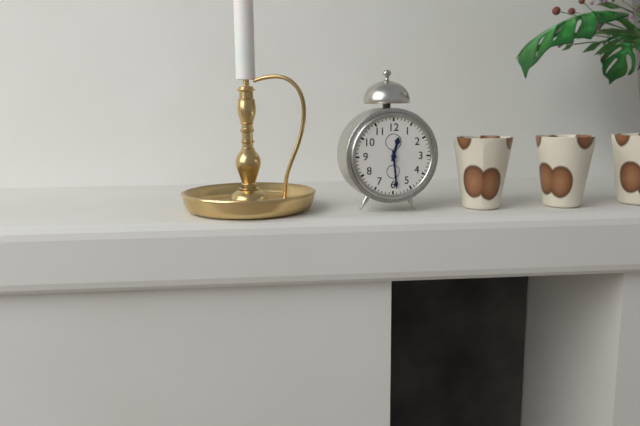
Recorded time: 12:29
